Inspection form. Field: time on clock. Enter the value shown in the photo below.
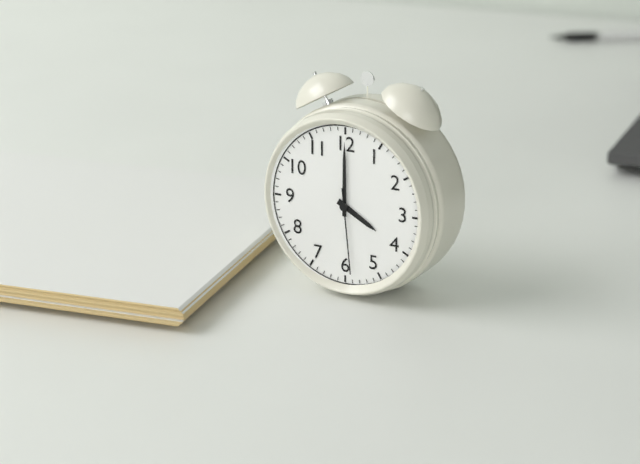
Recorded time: 4:00:29
